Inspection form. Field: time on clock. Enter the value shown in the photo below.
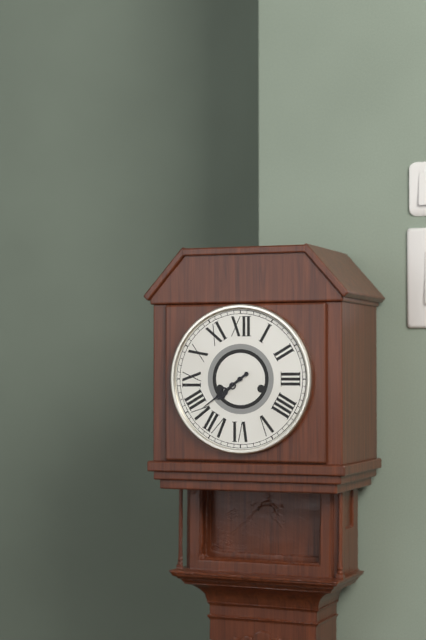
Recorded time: 7:39
